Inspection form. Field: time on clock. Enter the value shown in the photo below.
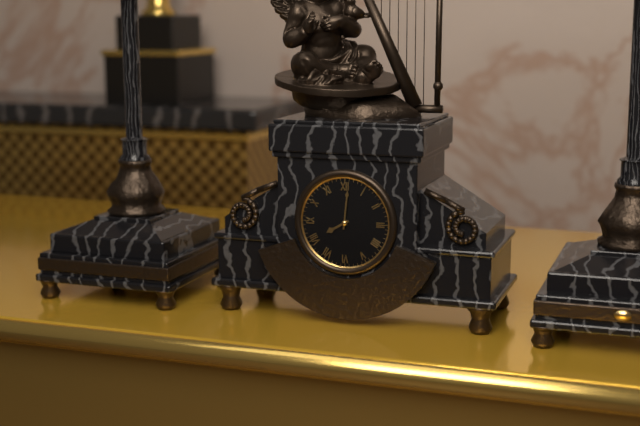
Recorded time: 8:01
